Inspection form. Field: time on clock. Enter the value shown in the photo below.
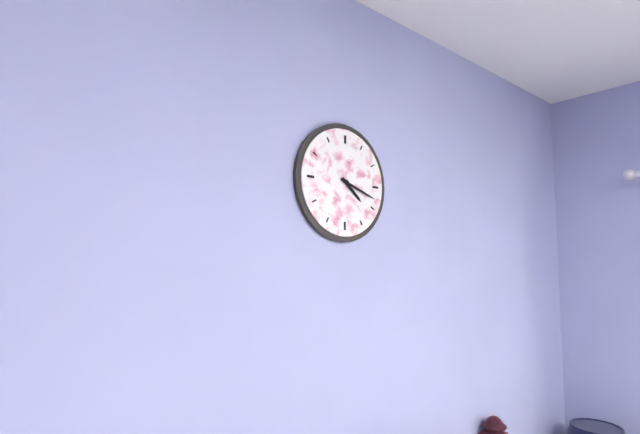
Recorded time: 4:18
